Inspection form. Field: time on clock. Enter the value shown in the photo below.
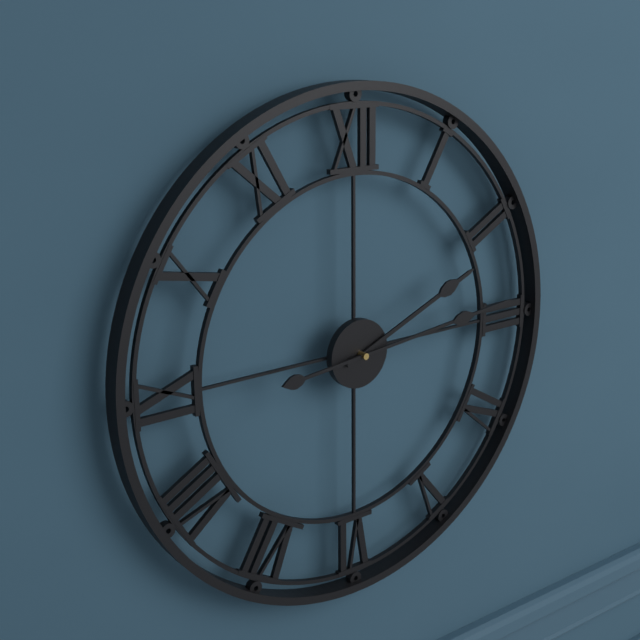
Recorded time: 2:14
